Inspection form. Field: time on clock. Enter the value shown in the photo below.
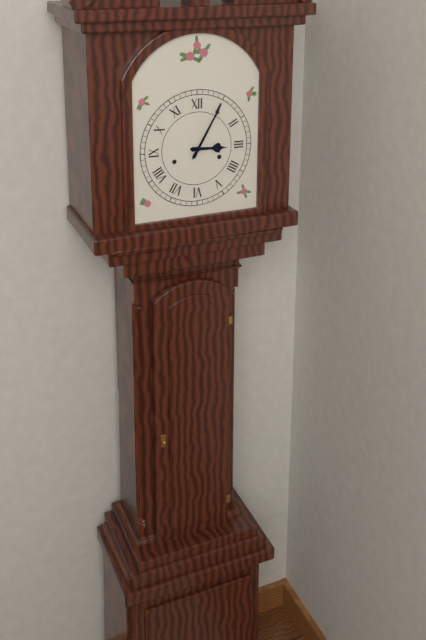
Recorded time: 3:05
